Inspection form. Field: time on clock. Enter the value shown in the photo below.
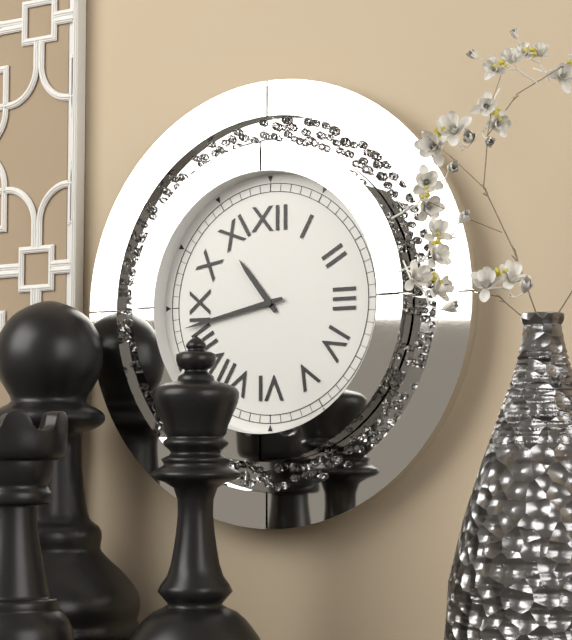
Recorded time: 10:43
